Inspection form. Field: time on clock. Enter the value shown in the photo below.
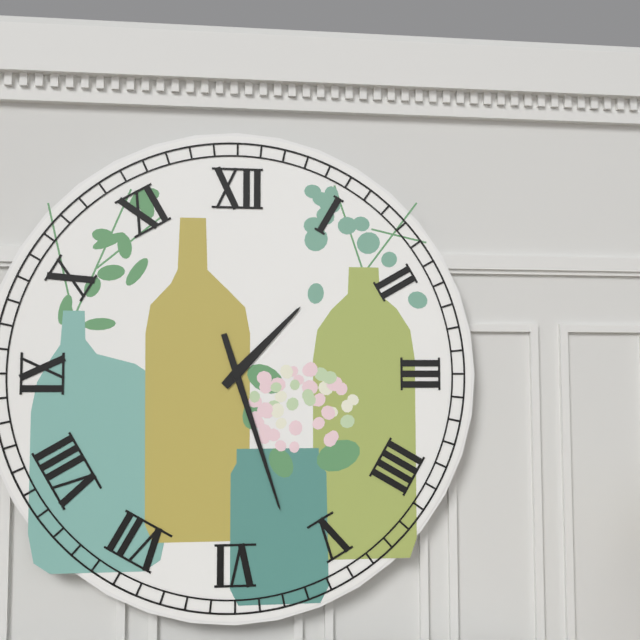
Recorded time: 1:27
